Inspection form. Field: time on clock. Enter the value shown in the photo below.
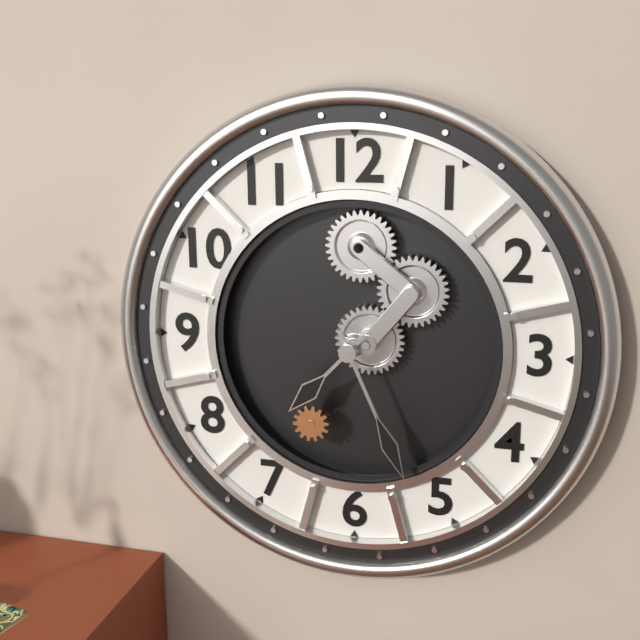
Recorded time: 7:26
